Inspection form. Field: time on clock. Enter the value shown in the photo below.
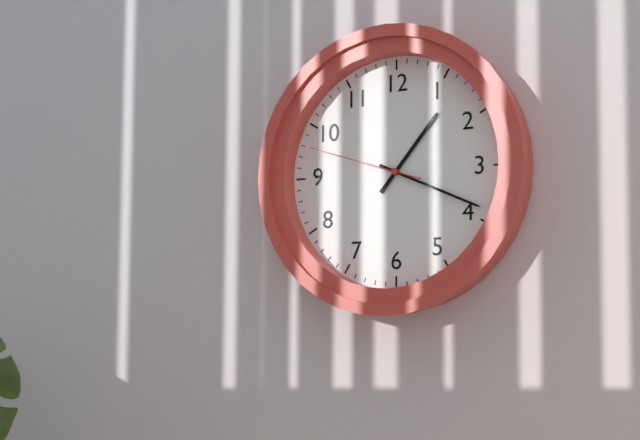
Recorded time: 1:19:48
